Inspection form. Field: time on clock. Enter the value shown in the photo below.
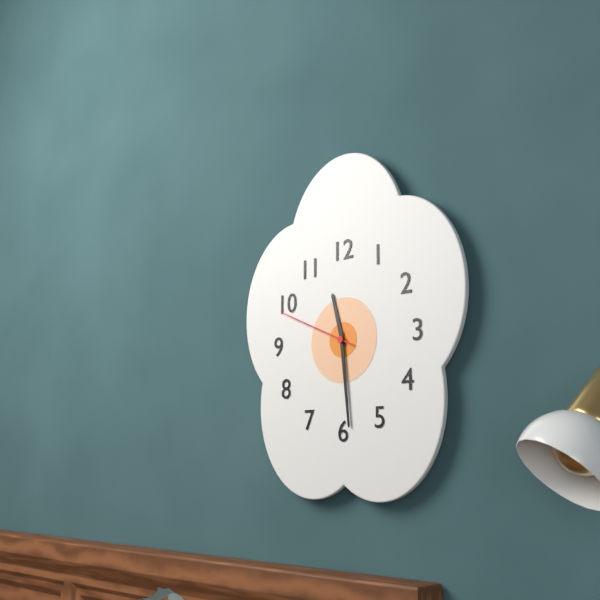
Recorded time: 11:29:49
